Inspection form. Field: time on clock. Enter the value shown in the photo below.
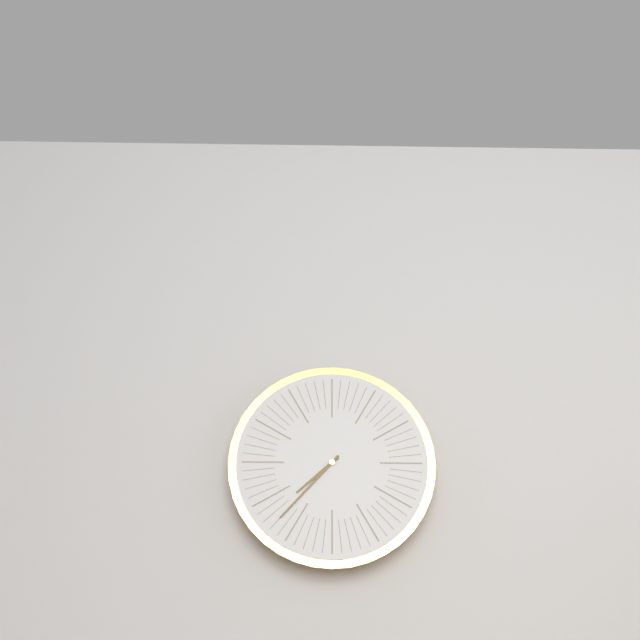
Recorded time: 7:37
